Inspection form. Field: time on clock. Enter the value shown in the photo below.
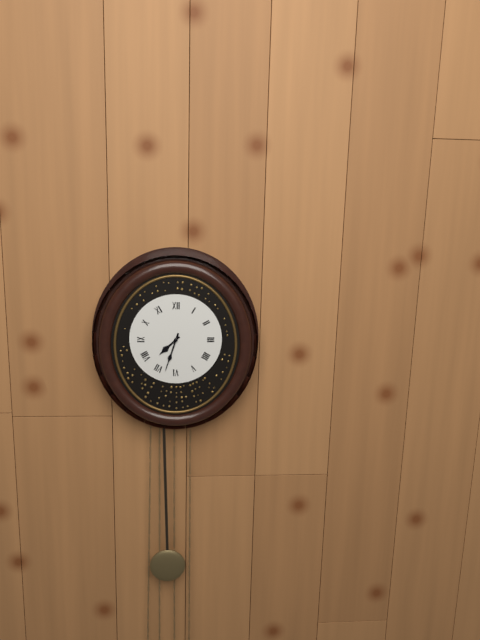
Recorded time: 7:33
